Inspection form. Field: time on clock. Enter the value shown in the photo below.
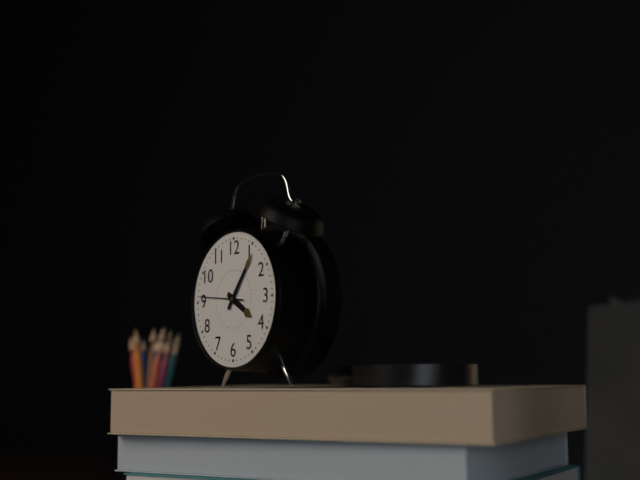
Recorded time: 4:06
